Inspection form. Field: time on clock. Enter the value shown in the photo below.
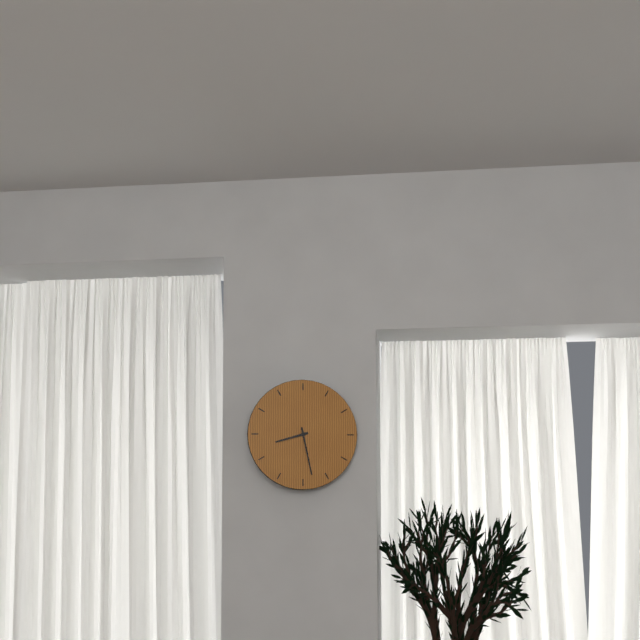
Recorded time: 8:28
